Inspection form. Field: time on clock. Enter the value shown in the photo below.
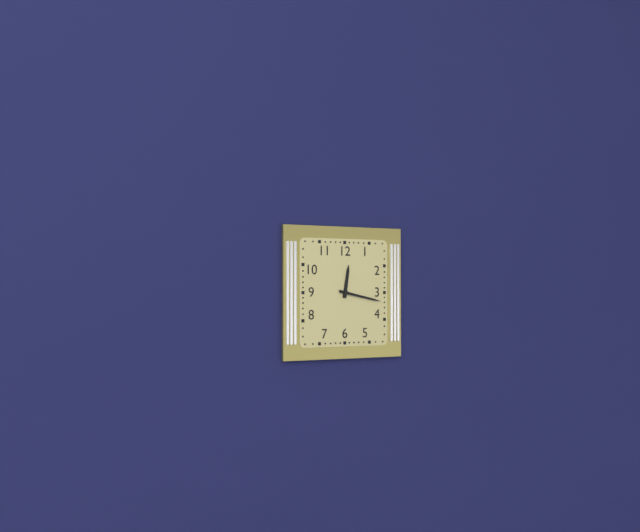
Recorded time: 12:17
